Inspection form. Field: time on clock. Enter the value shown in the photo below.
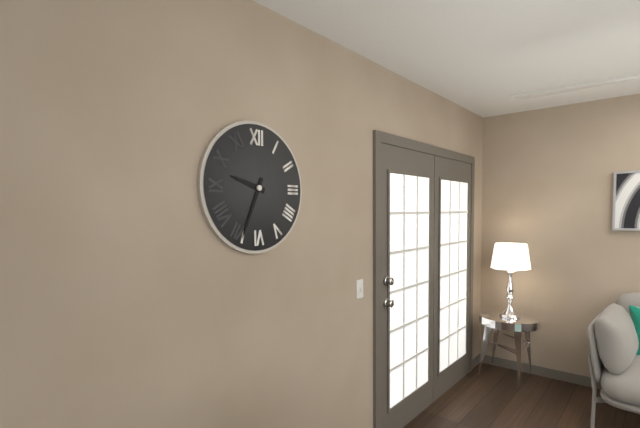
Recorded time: 9:34
